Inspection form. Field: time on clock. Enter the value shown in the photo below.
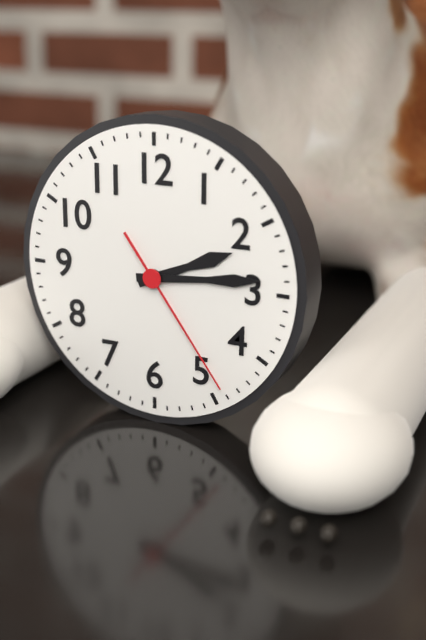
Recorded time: 2:14:24
